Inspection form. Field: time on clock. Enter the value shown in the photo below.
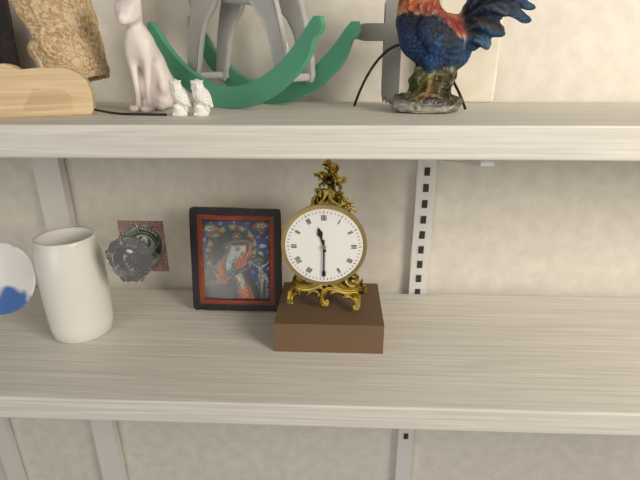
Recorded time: 11:30
